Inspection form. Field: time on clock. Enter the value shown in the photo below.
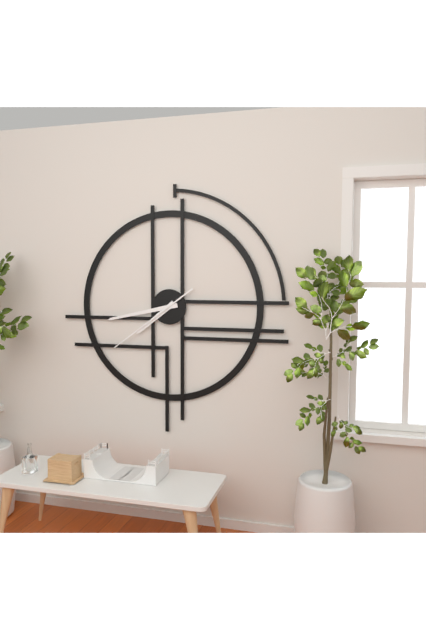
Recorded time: 7:43:39
